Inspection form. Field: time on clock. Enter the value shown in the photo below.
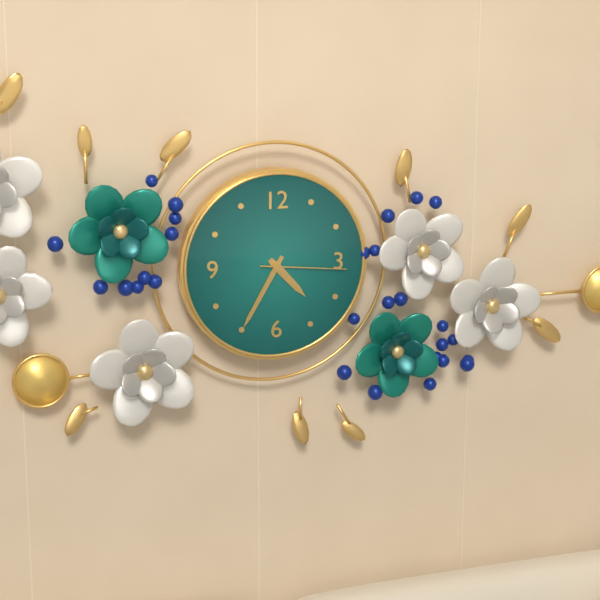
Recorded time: 4:35:16
